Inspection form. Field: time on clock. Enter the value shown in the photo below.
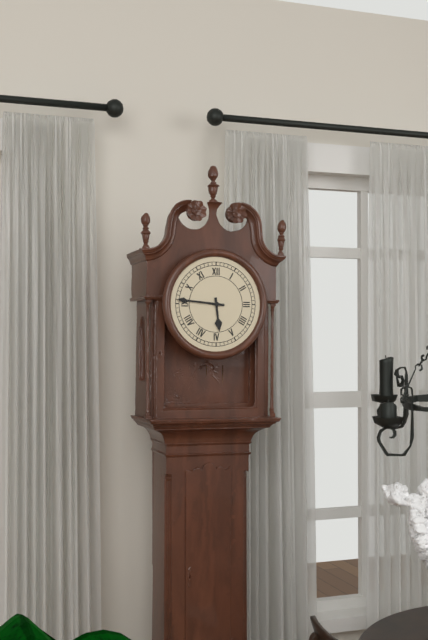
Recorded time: 5:46
